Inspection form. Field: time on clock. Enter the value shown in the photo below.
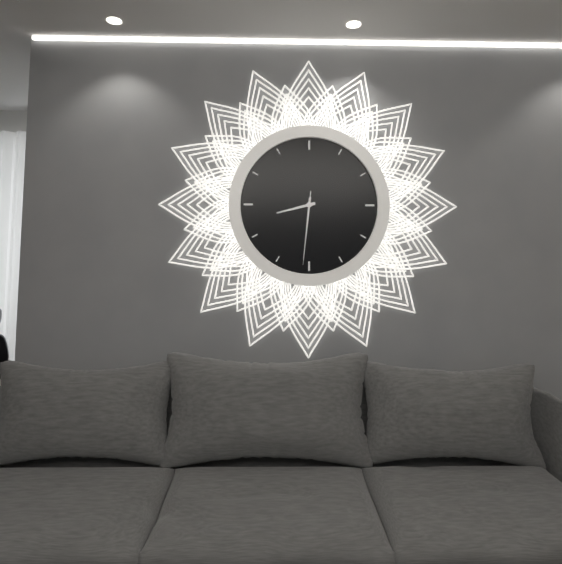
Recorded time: 8:31:31
